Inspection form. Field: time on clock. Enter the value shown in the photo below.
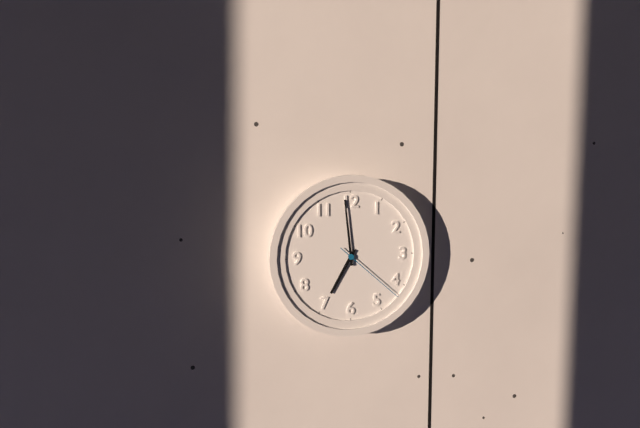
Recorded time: 6:59:22
